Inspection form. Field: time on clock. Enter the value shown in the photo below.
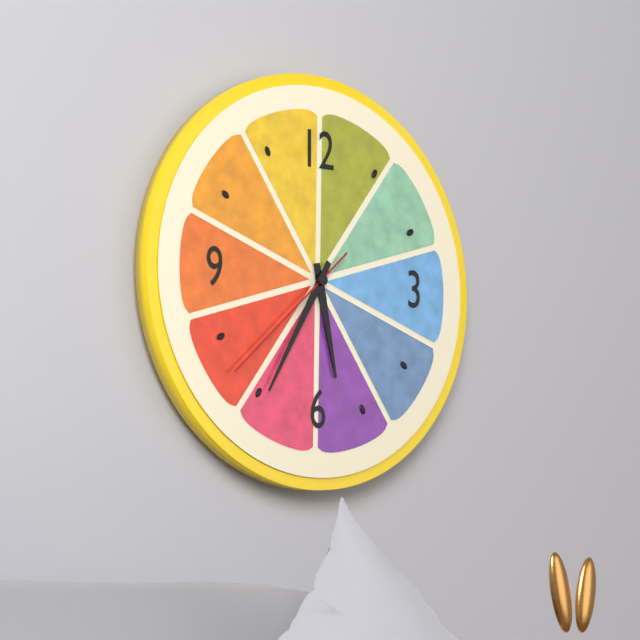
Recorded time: 5:35:38
